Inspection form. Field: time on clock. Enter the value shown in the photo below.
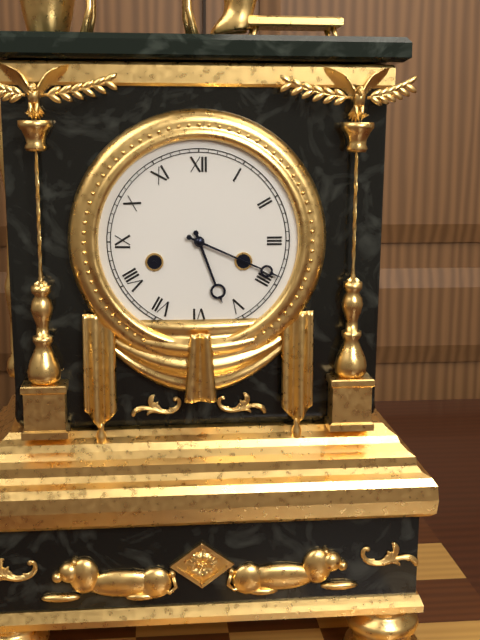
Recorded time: 5:19
